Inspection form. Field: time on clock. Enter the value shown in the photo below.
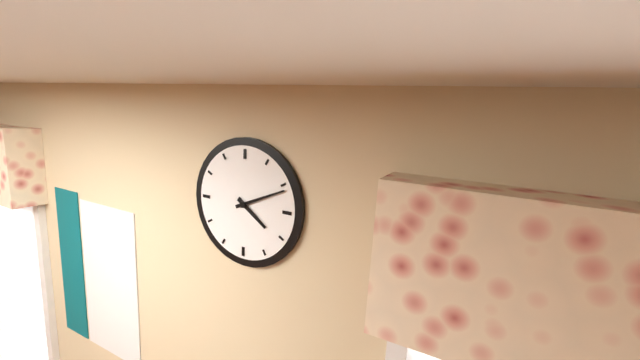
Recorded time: 4:11
